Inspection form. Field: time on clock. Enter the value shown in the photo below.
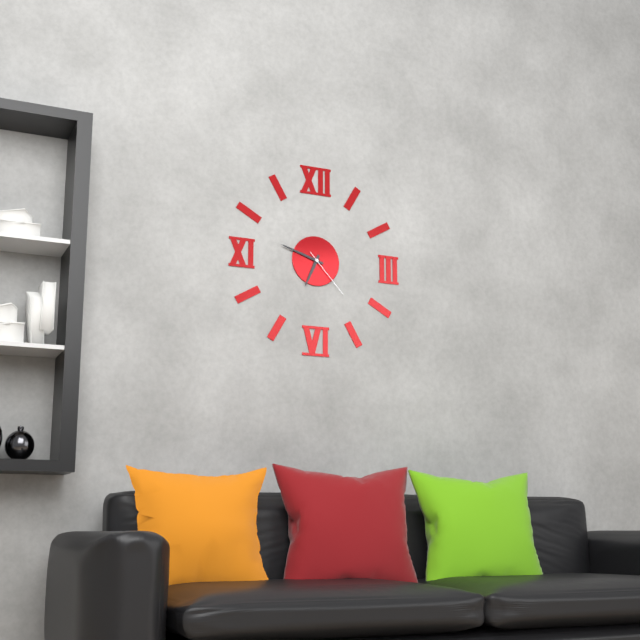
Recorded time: 6:48:23
